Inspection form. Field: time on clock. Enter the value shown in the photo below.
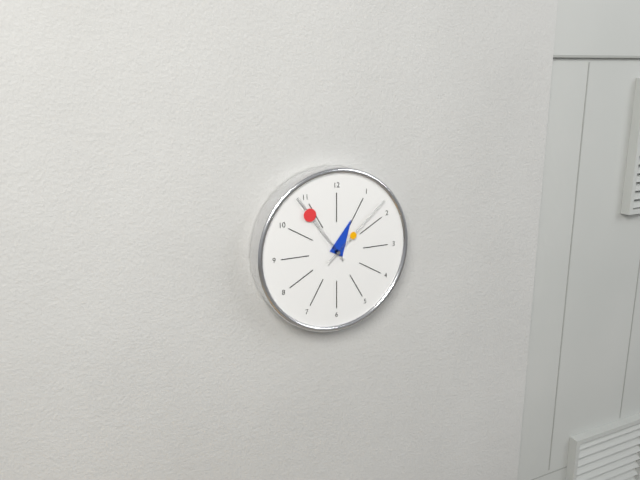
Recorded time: 12:54:08
